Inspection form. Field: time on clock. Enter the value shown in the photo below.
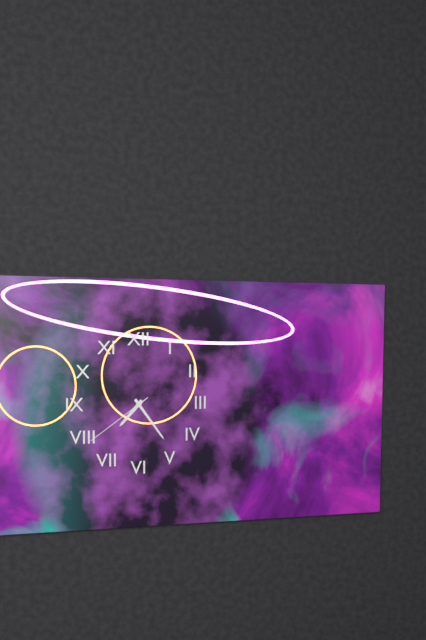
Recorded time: 7:24:39
